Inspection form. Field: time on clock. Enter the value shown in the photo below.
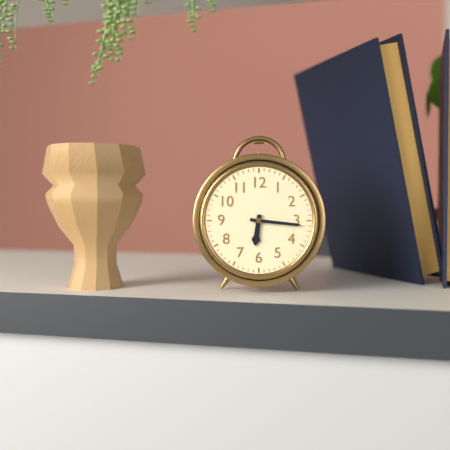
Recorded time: 6:16
